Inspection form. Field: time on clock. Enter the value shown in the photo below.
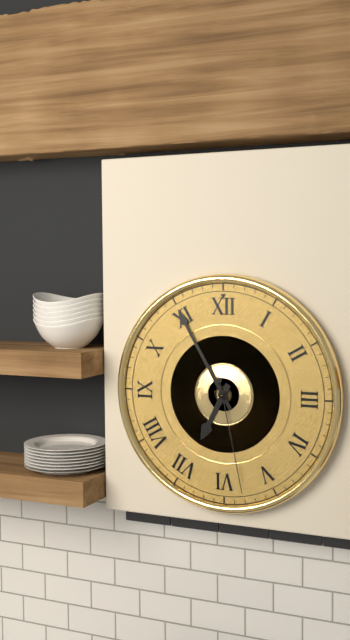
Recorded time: 6:55:28
